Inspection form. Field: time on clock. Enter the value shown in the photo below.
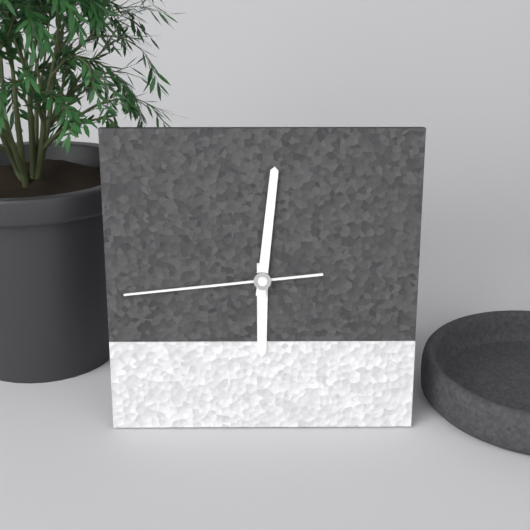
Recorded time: 6:01:44
